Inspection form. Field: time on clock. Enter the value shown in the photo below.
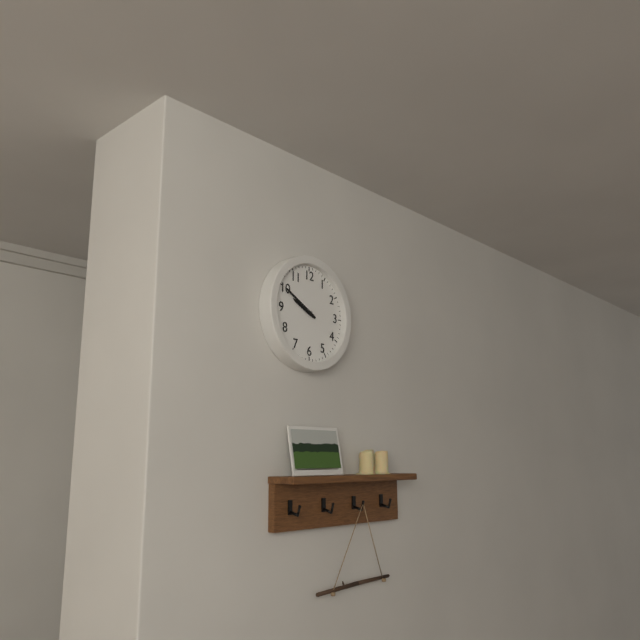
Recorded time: 9:50
